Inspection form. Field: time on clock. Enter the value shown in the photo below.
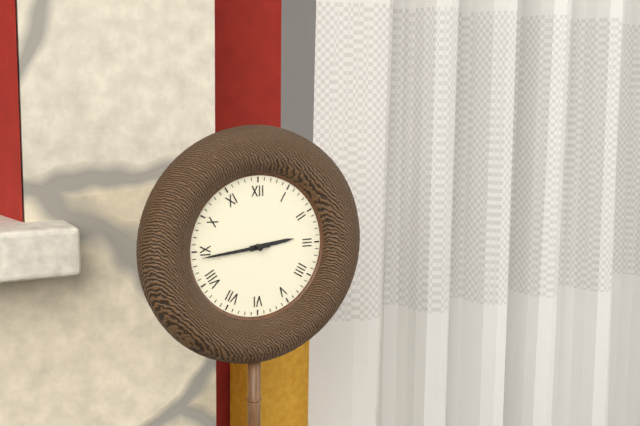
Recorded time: 2:44
